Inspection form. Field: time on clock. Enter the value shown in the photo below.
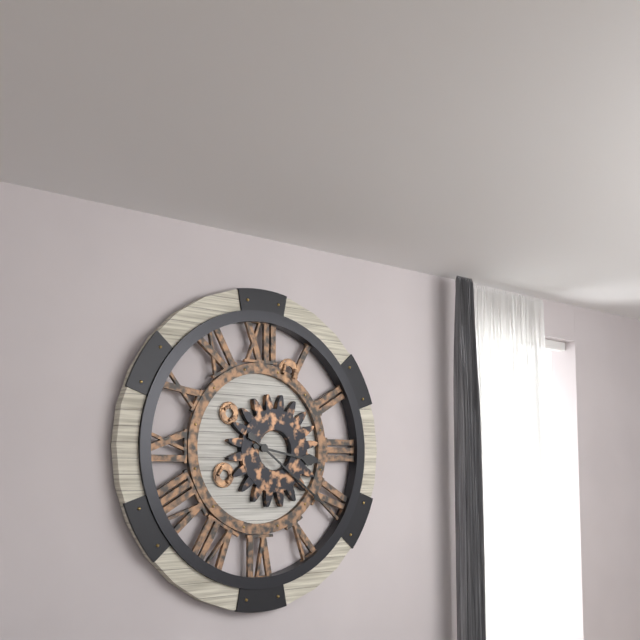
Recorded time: 3:21
